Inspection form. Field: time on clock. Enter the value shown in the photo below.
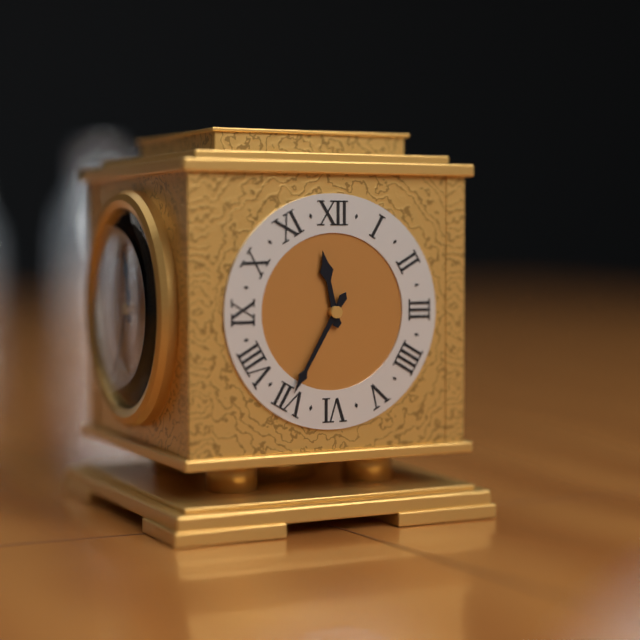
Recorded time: 11:35
